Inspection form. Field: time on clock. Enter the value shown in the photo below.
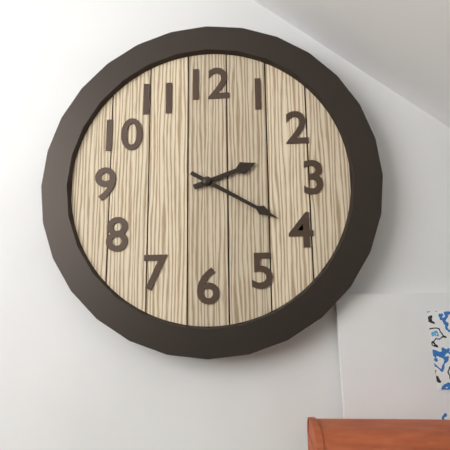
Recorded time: 2:20
